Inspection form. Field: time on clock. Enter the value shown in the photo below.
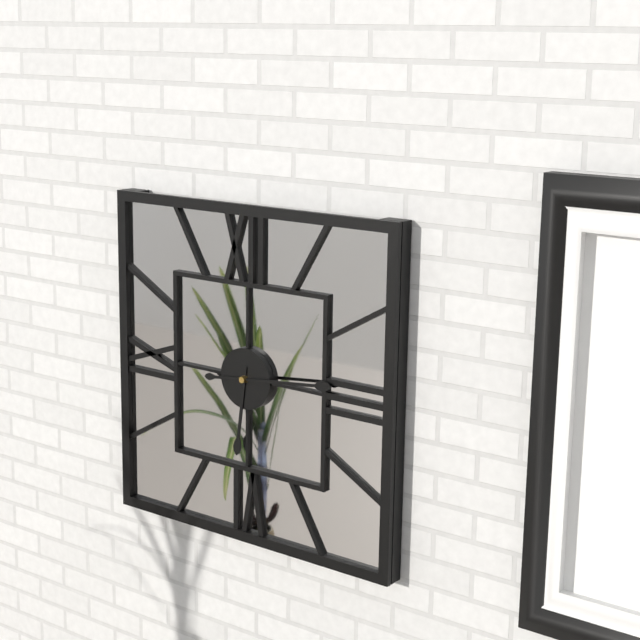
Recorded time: 6:14
